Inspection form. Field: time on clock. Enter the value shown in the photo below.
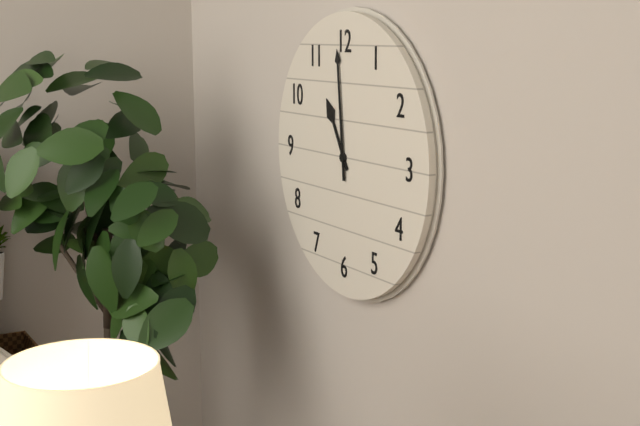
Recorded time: 10:59
